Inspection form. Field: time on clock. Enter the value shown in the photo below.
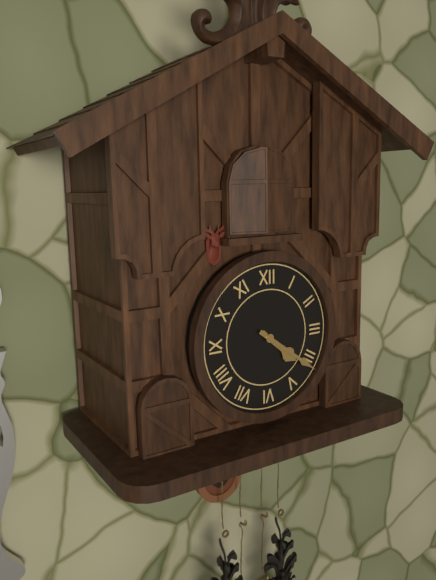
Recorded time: 4:21
